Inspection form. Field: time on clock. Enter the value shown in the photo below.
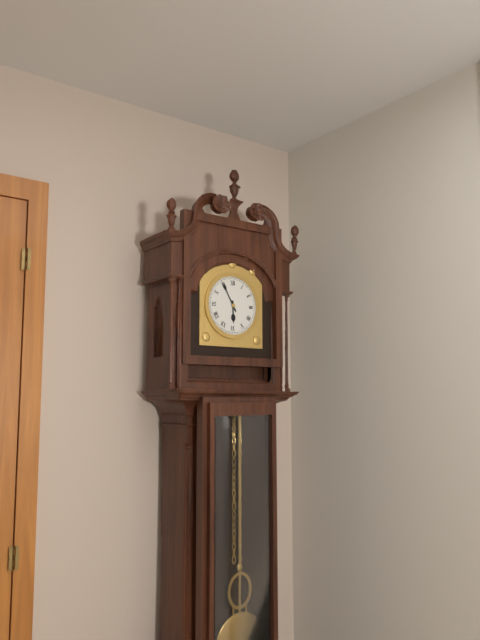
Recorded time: 5:55
